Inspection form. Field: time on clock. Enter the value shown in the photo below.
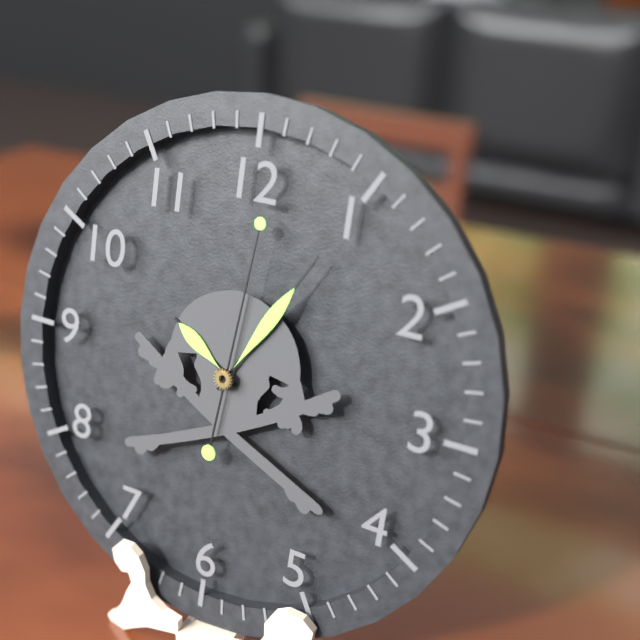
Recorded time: 10:05:01
